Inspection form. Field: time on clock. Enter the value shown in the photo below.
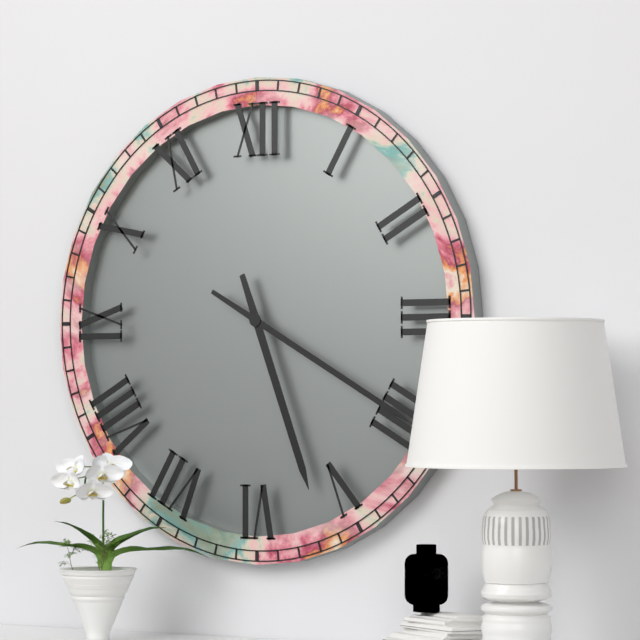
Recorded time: 5:20
